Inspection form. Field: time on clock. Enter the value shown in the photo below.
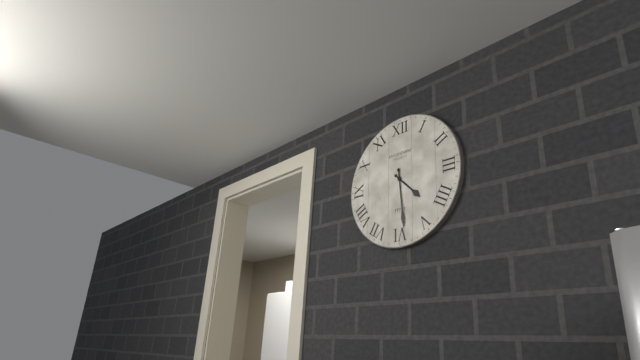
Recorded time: 4:29
